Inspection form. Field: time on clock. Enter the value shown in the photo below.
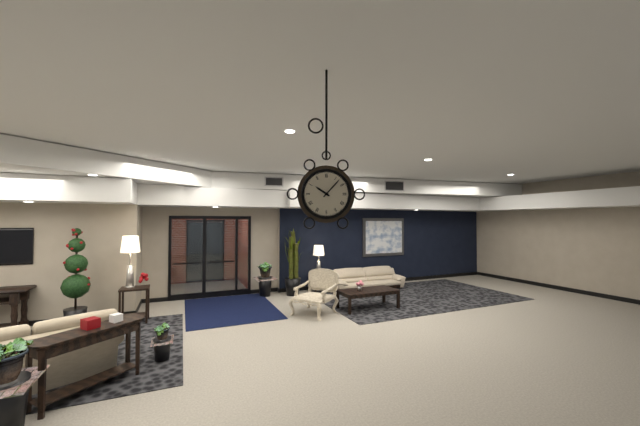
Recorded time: 10:07
